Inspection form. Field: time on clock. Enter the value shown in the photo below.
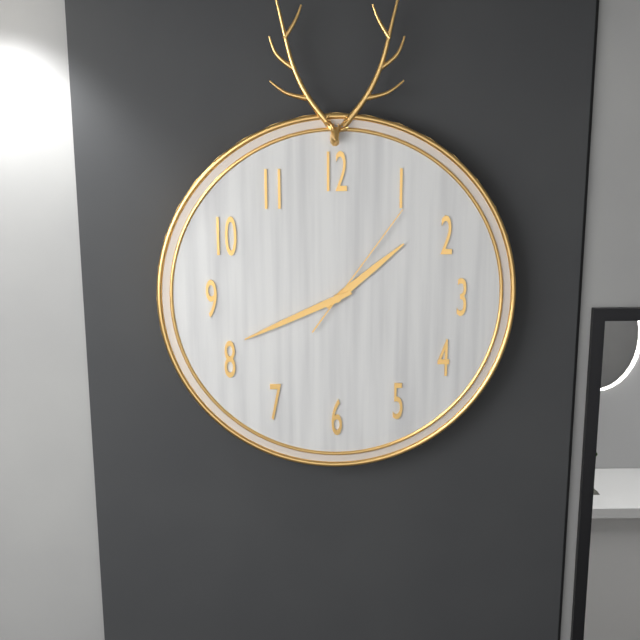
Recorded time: 1:41:06
